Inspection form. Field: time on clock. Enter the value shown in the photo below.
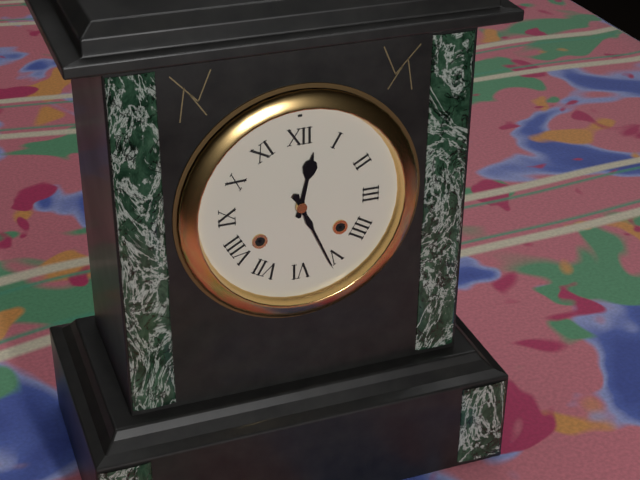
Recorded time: 12:26
